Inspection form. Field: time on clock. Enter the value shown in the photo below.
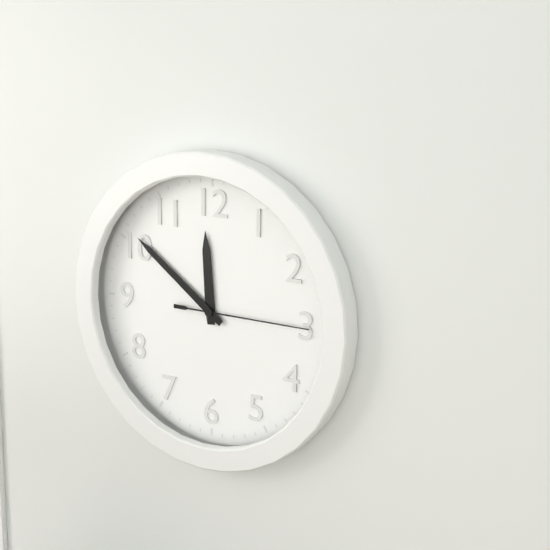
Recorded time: 11:51:15
